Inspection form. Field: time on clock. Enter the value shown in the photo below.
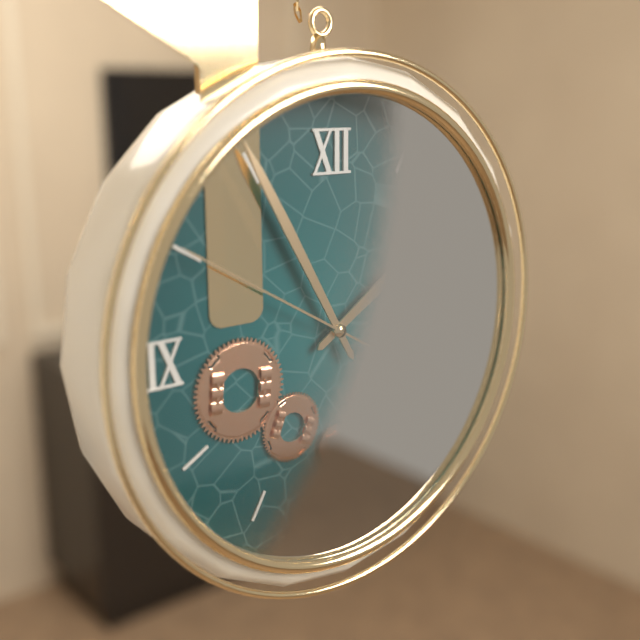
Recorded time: 1:55:50
